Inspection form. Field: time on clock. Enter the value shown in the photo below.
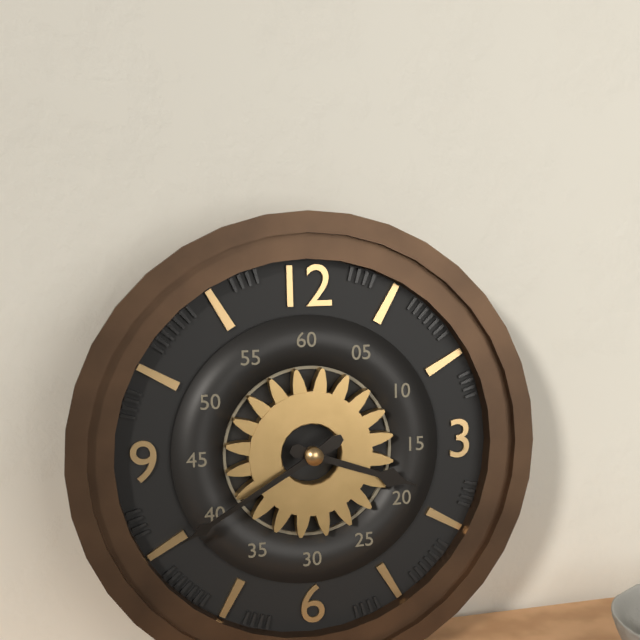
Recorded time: 3:40
